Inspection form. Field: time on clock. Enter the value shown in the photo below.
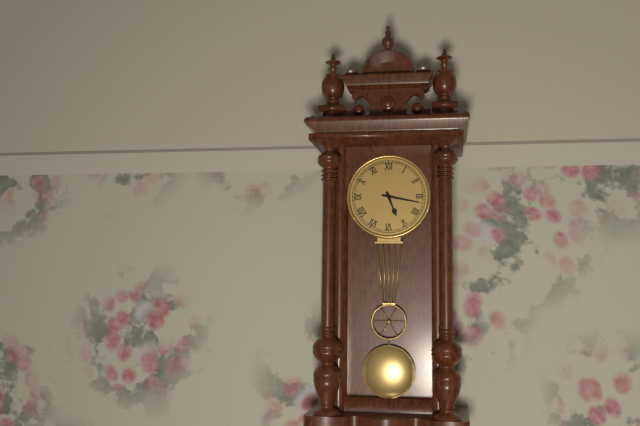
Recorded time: 5:17
